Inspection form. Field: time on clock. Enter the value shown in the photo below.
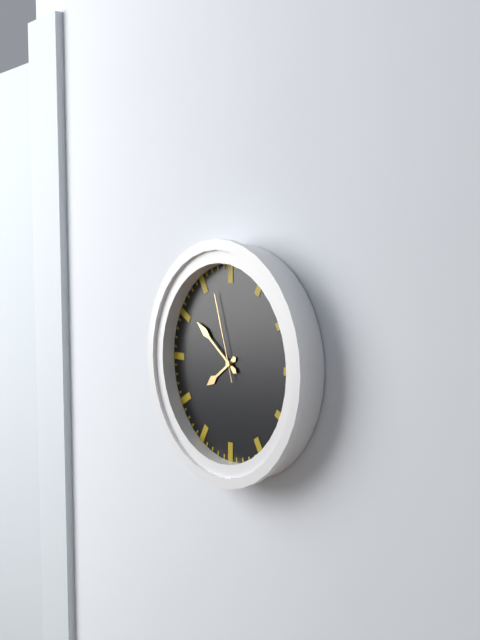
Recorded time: 7:51:57
